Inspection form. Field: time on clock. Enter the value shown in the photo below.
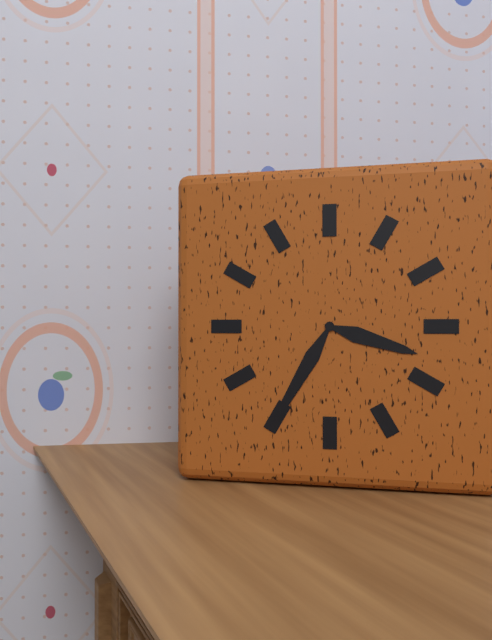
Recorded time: 3:35
